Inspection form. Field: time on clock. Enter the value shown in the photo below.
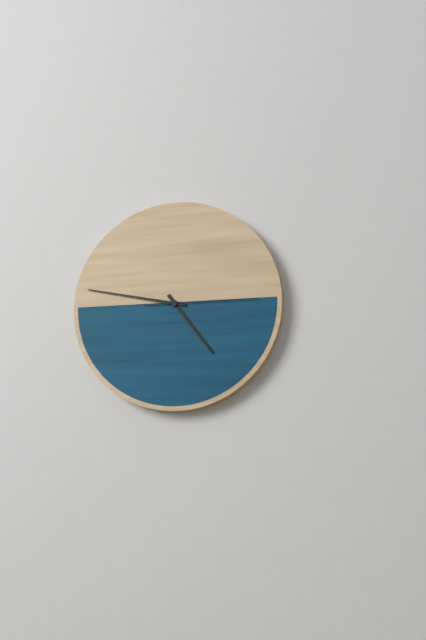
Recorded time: 4:47:15
